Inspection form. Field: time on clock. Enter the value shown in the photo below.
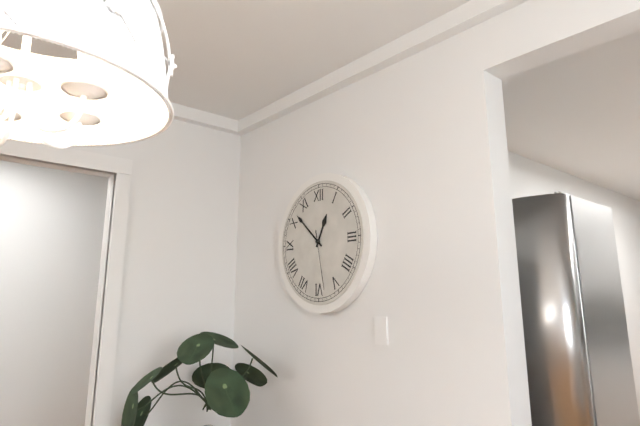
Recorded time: 12:52:28
